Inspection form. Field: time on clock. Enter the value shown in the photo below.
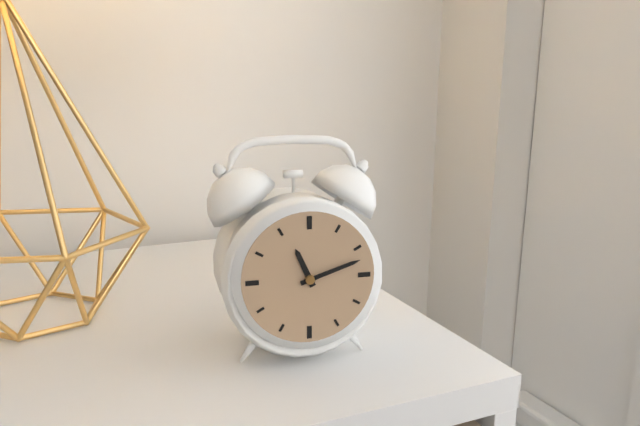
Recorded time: 11:12
